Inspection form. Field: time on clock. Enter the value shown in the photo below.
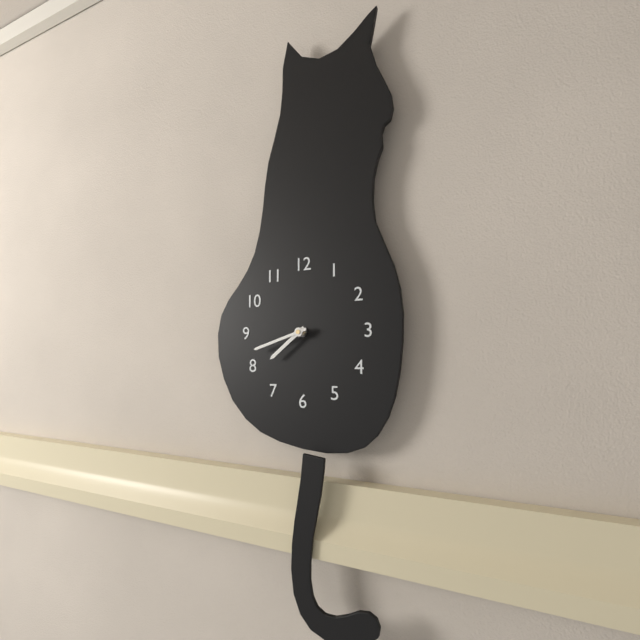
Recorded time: 7:42
